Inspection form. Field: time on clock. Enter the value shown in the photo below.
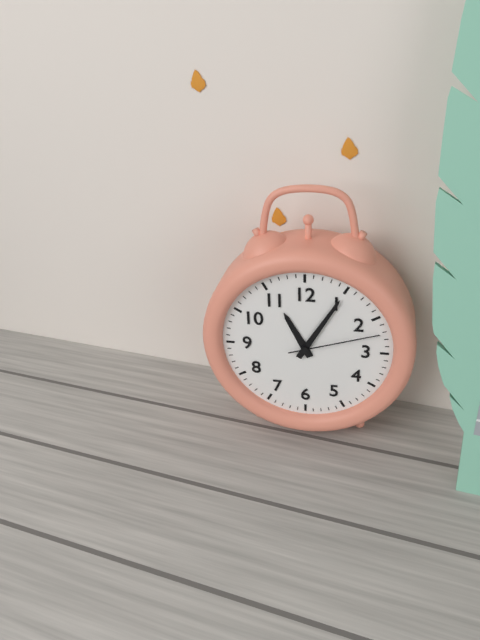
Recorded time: 11:05:12
